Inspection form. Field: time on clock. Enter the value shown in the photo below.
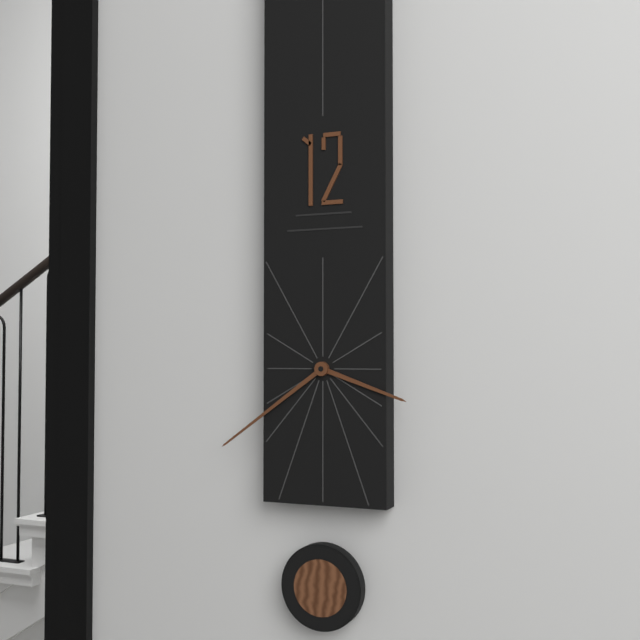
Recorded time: 3:39
